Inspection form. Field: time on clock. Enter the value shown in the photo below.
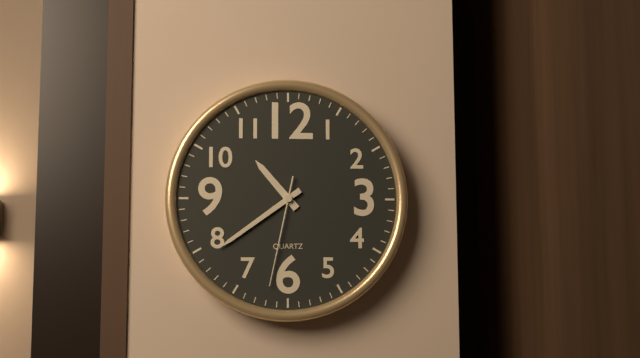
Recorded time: 10:39:32
